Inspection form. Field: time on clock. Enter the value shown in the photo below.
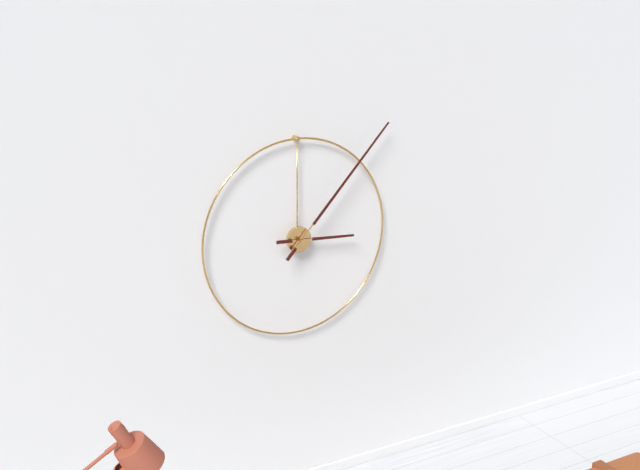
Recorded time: 3:07
